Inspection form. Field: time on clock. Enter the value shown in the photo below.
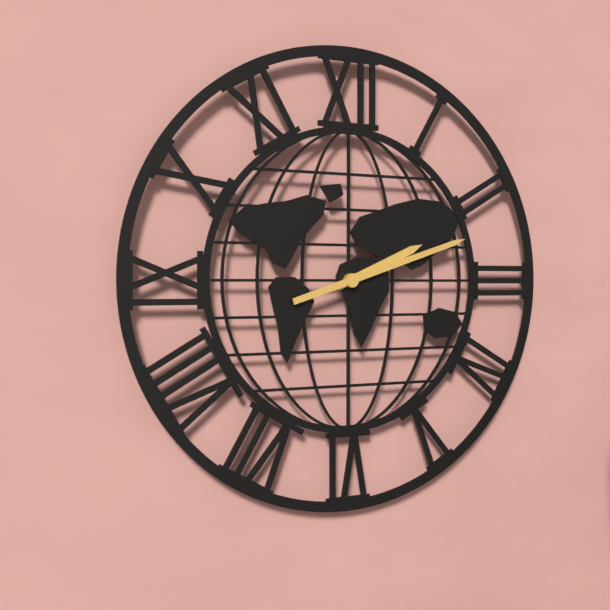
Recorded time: 2:12
